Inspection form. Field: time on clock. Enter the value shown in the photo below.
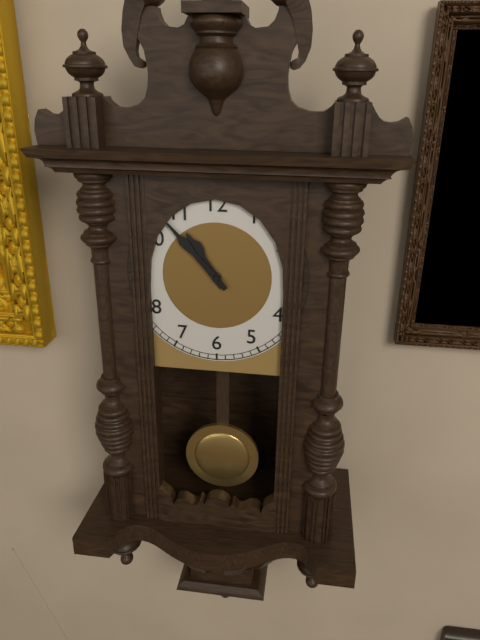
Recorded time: 10:53
